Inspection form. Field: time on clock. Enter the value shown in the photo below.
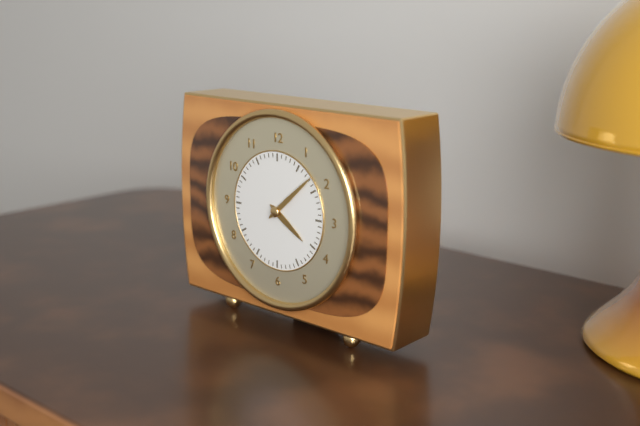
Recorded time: 4:08
